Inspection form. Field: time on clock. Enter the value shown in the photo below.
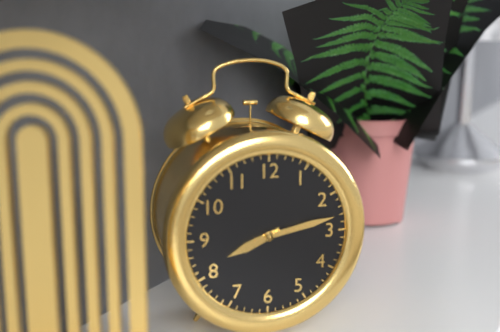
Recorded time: 8:13
